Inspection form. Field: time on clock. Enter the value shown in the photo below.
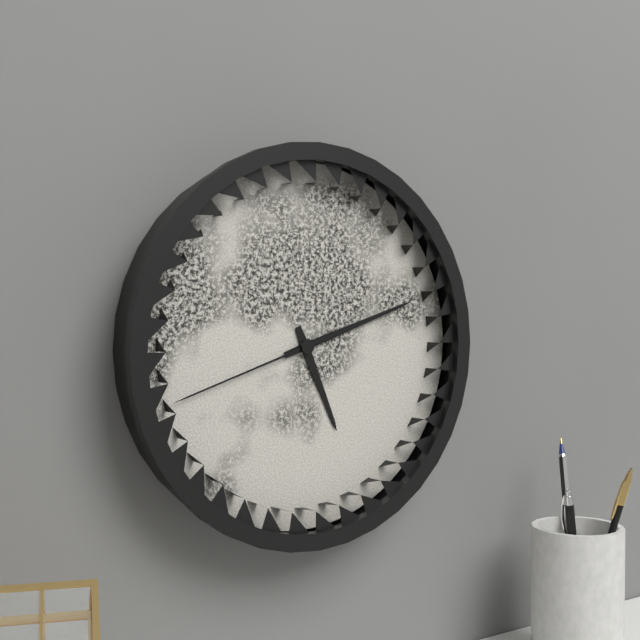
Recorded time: 5:12:42
